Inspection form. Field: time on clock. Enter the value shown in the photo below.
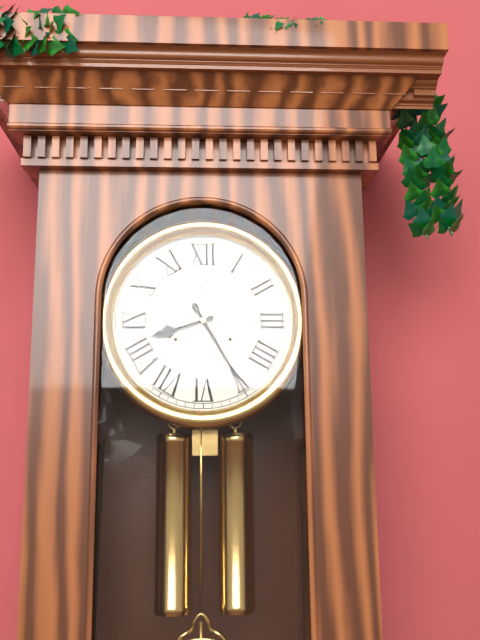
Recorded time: 8:25
